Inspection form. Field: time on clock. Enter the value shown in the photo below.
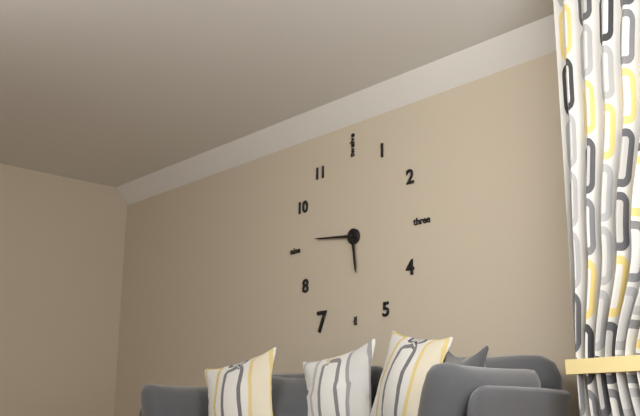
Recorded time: 5:46
